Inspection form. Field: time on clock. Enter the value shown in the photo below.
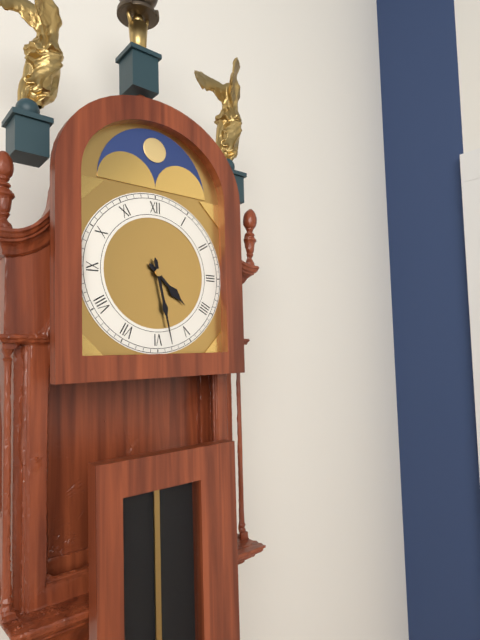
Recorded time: 4:28
